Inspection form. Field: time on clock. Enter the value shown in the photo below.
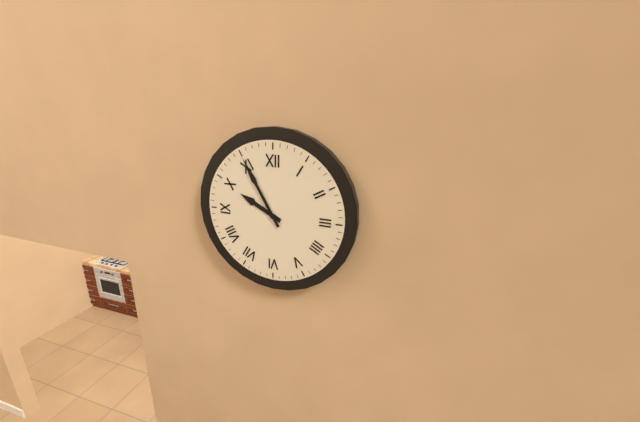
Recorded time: 9:55
